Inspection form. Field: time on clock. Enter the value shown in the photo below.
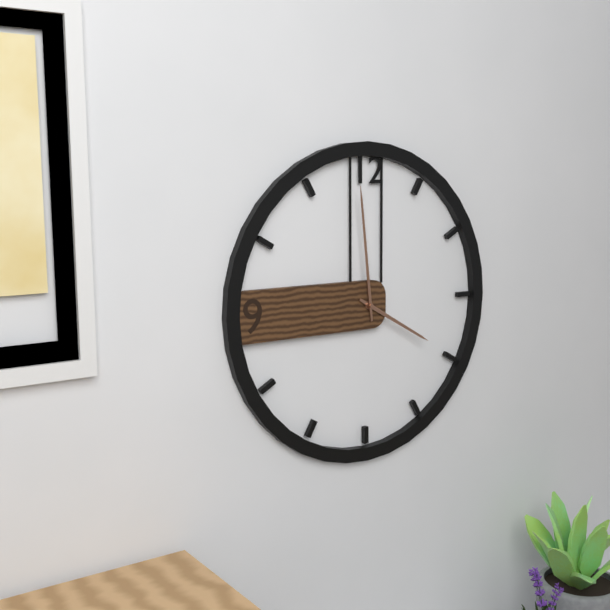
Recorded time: 3:59
